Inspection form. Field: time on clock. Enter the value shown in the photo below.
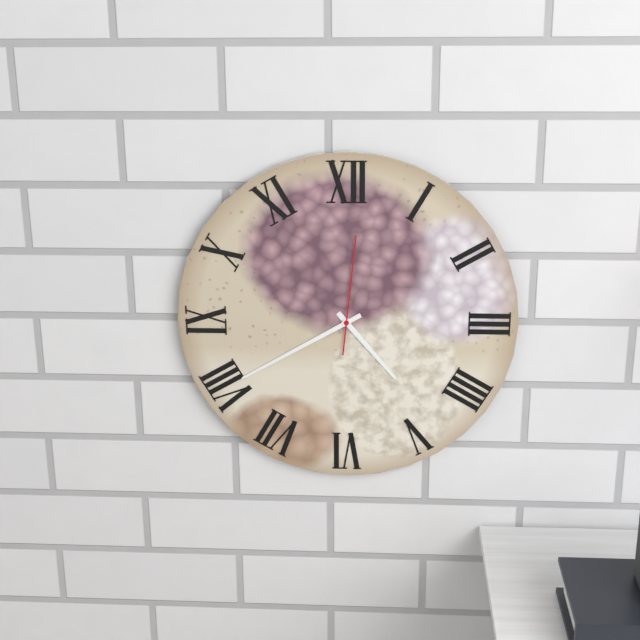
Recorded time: 4:40:01
